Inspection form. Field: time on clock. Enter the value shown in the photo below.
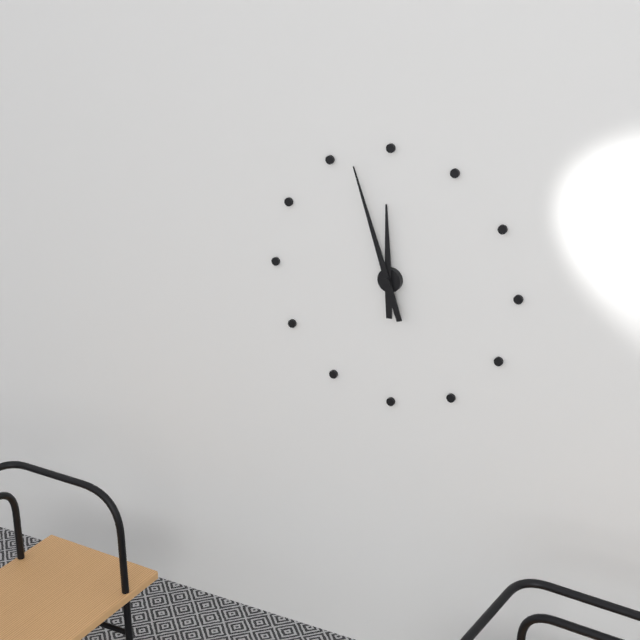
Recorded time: 11:57
